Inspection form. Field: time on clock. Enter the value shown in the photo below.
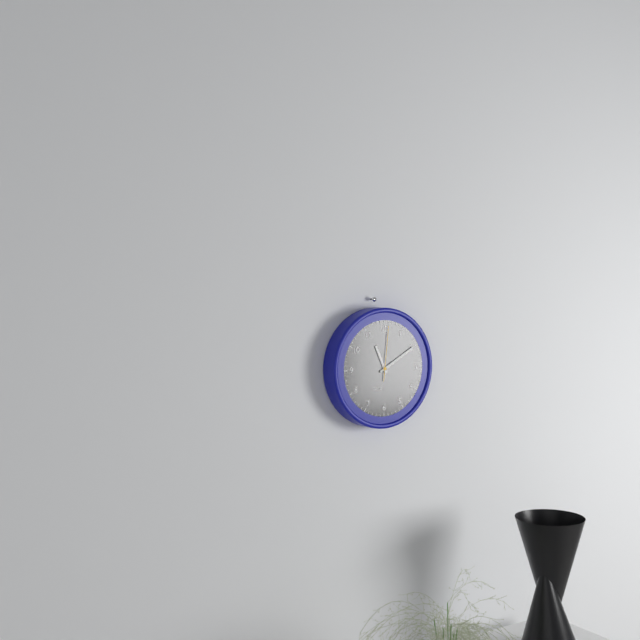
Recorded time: 11:10:01
